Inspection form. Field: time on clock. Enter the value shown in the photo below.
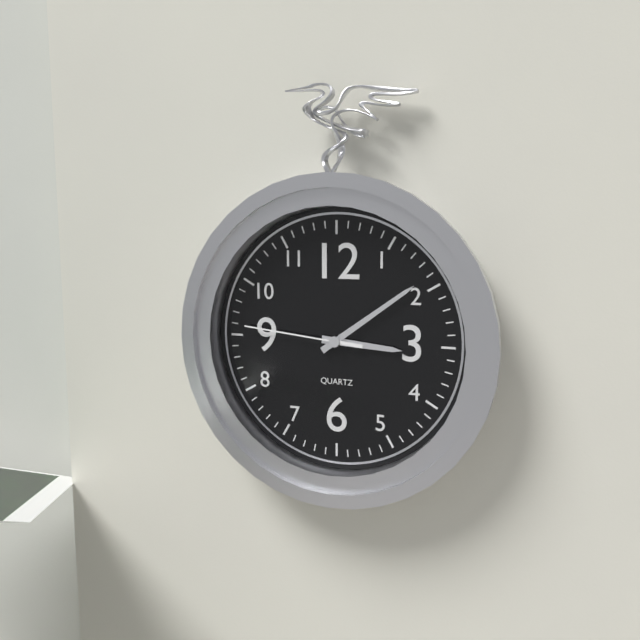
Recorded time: 3:09:46
